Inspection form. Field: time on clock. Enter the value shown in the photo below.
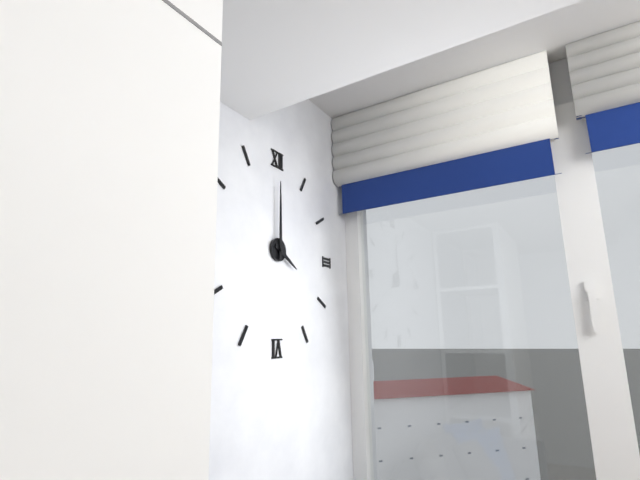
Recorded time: 4:00
